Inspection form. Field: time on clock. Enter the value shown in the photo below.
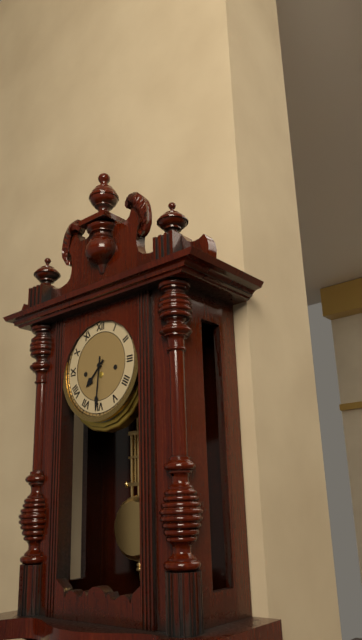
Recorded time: 7:31
